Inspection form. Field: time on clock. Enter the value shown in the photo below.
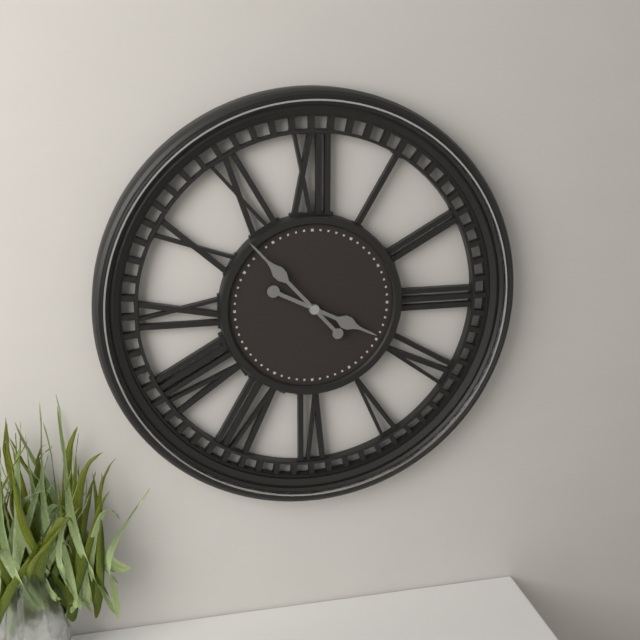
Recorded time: 3:53
